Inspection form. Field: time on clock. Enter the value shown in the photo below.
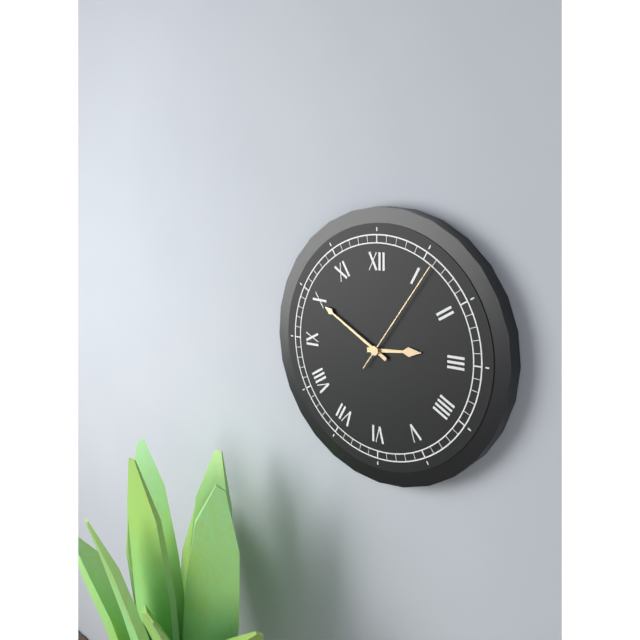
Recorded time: 2:50:06
